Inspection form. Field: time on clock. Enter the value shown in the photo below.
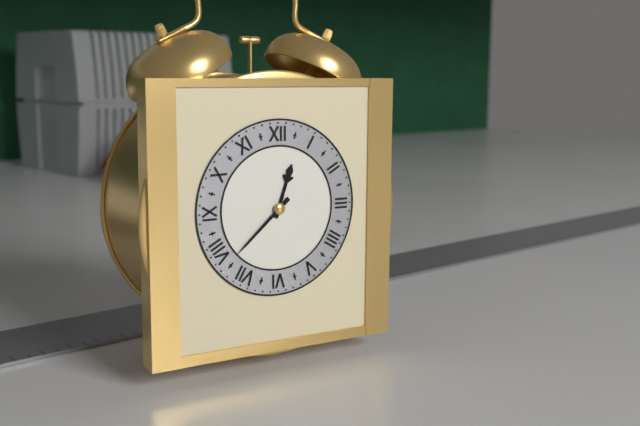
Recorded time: 12:38
